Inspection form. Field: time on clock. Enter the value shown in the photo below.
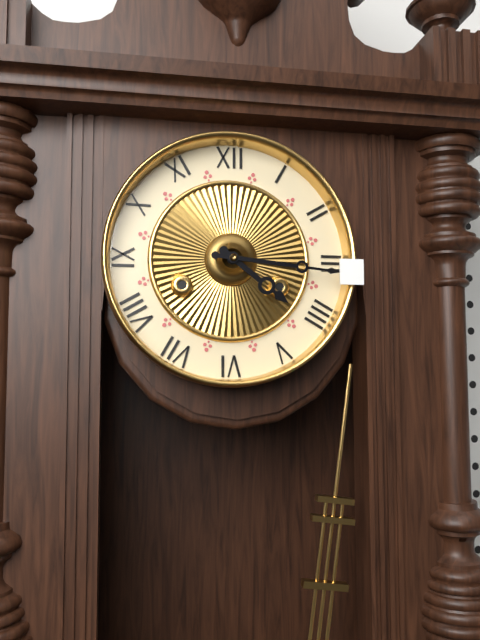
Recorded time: 4:16
